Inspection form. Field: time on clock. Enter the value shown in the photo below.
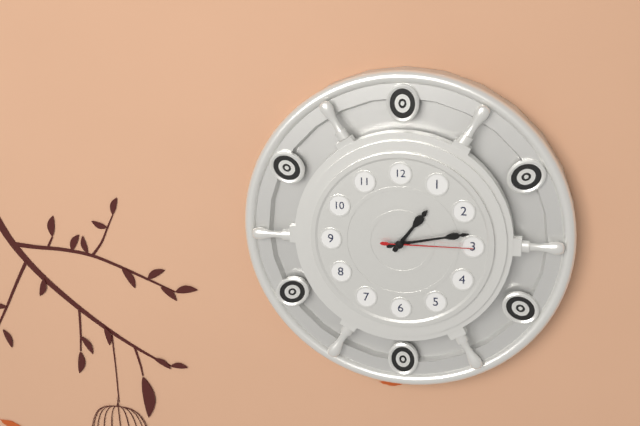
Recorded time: 1:13:15
